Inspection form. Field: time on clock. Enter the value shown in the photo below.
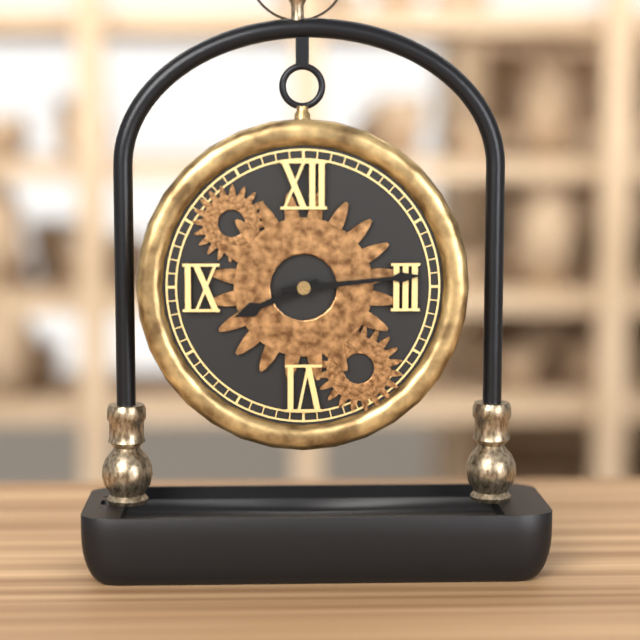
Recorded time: 8:14
